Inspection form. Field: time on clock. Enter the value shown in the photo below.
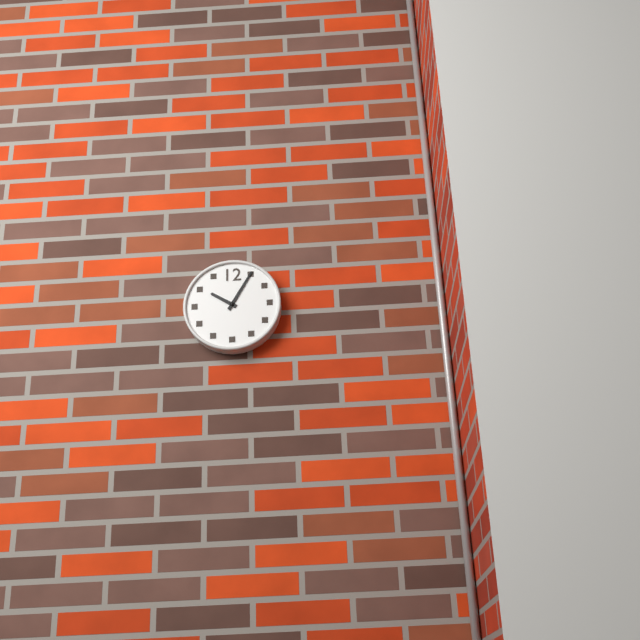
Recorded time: 10:05
